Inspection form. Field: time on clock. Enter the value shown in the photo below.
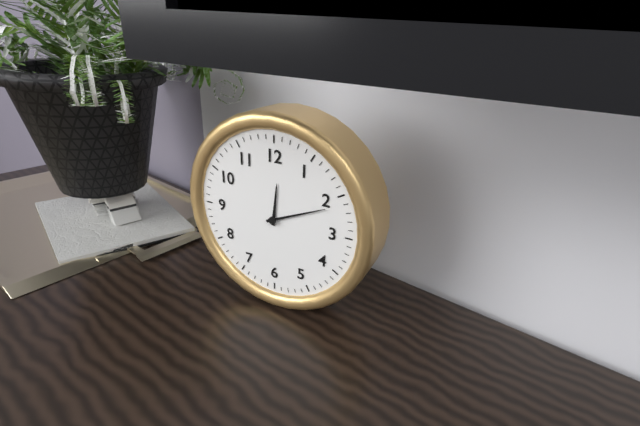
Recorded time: 12:11
